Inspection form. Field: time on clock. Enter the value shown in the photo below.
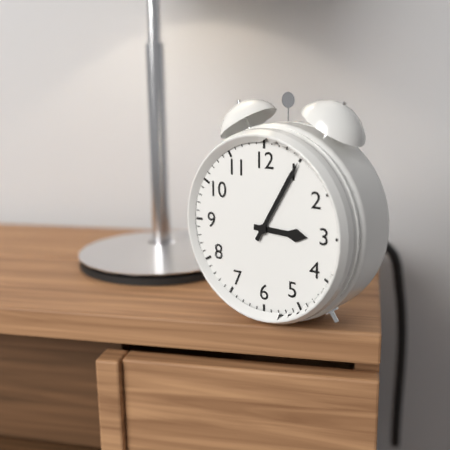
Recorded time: 3:05
